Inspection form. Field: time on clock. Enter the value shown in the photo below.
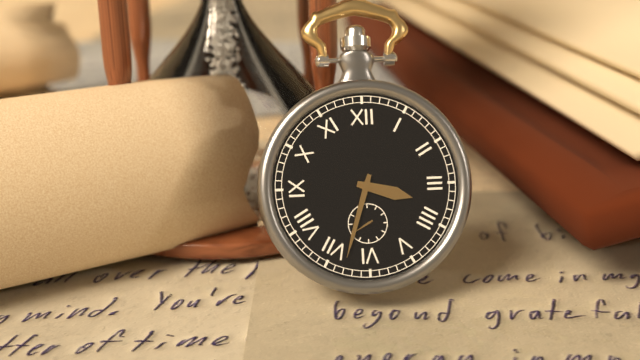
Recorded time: 3:33
